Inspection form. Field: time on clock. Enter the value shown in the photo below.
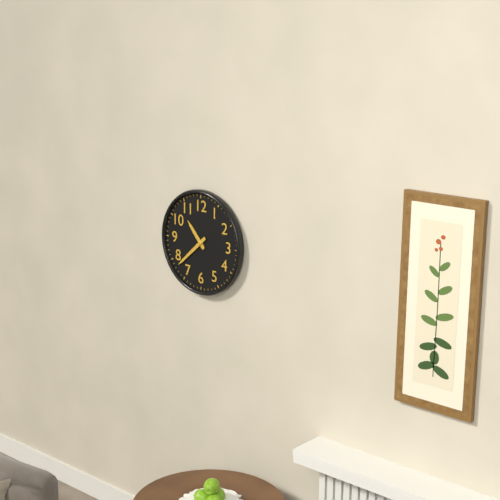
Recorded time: 10:38
